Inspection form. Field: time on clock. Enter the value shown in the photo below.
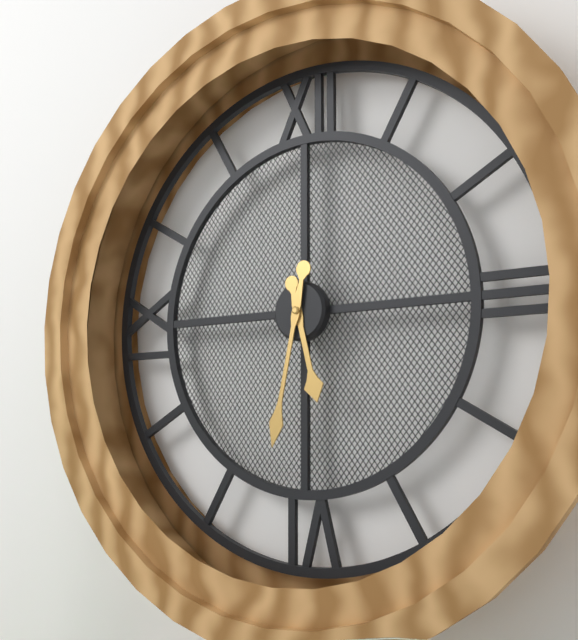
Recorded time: 5:32
